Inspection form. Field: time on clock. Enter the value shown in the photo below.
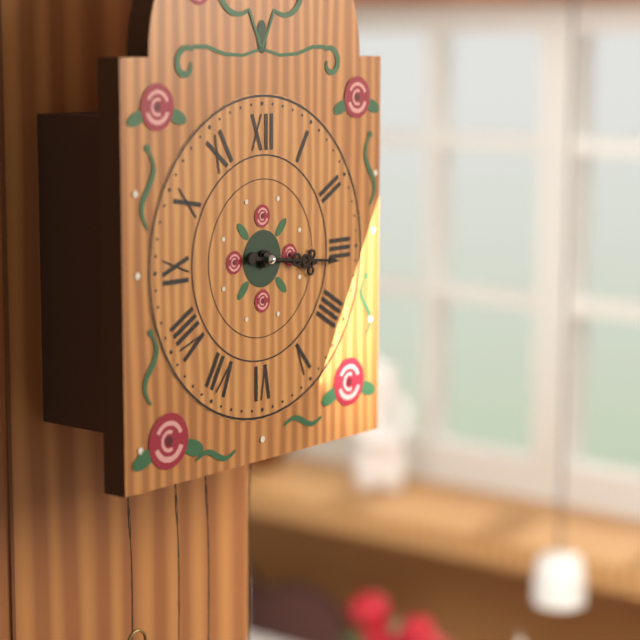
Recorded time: 3:16
